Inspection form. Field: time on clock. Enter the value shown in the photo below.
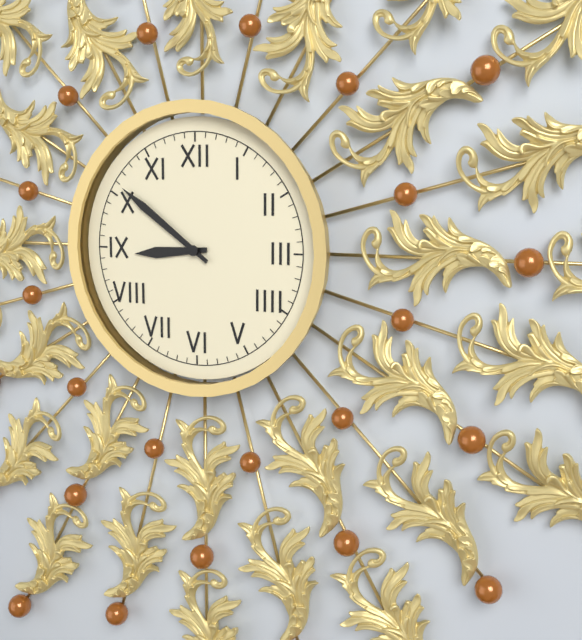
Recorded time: 8:51
